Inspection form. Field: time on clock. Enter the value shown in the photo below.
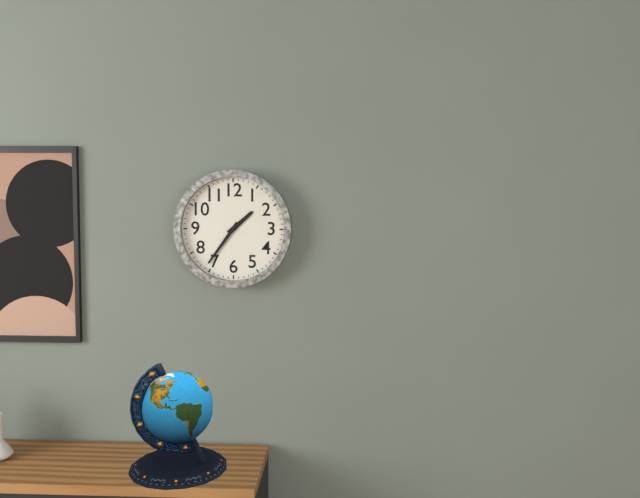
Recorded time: 1:36
